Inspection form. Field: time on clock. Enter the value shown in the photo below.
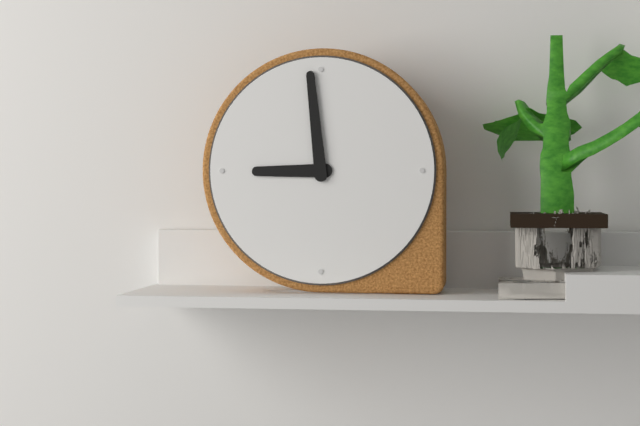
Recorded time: 8:59
